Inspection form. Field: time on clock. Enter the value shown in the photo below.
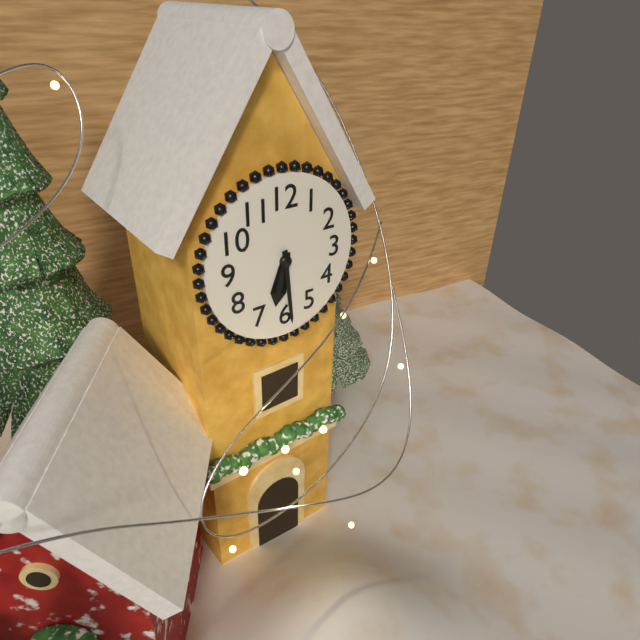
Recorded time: 6:29
